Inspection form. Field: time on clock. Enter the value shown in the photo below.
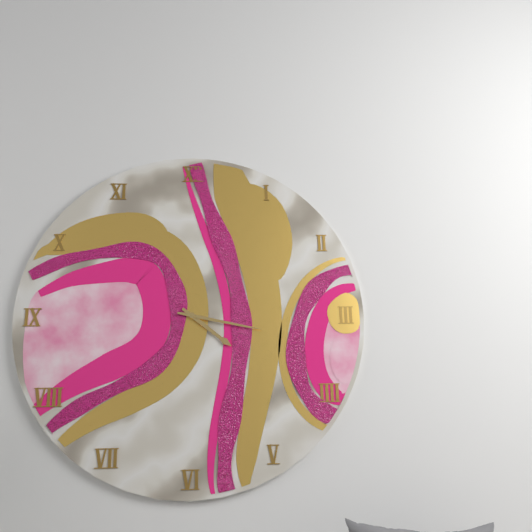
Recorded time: 4:17
